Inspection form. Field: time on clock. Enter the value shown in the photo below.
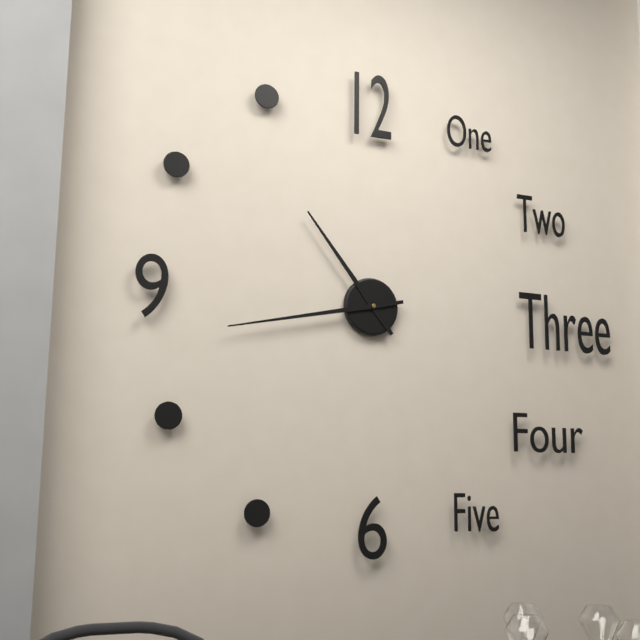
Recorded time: 10:43
